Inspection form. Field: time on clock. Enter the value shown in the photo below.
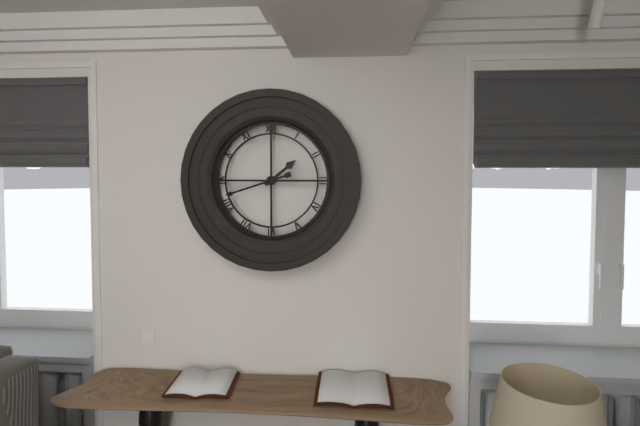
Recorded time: 1:42
